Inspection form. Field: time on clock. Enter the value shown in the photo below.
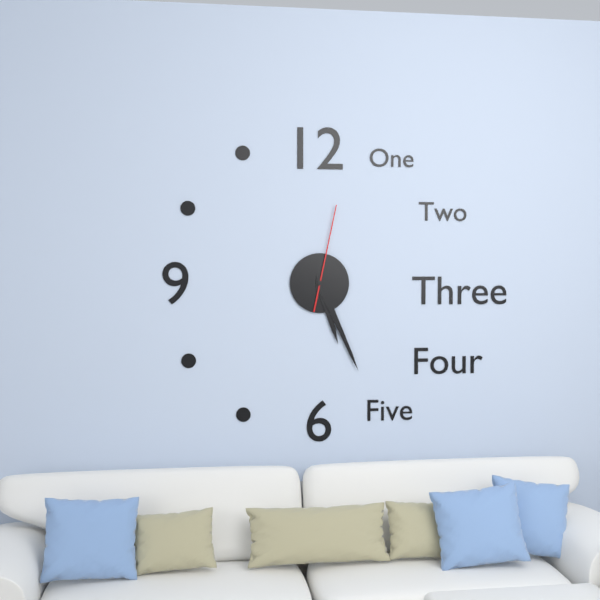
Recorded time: 5:26:02
